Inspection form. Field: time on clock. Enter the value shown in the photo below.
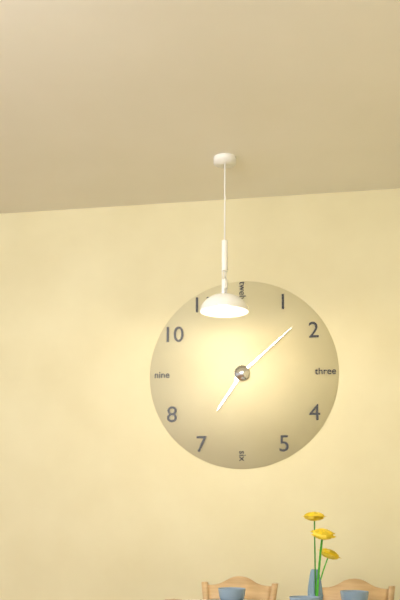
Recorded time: 7:08
